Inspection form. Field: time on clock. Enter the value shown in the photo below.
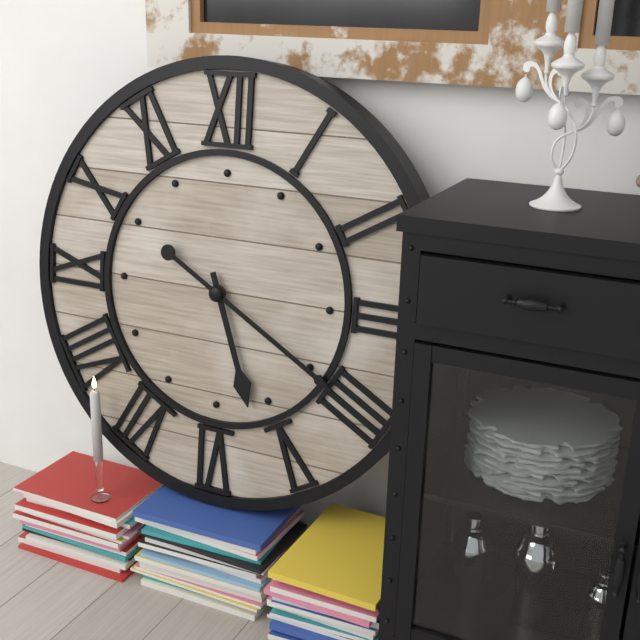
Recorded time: 5:20
